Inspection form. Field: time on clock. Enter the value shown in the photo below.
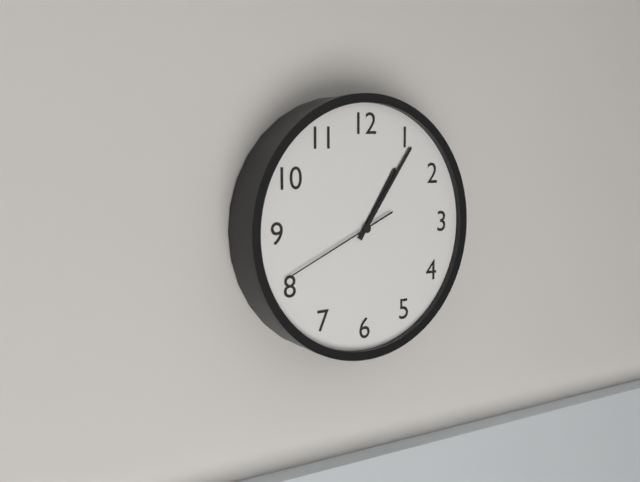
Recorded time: 1:06:41
